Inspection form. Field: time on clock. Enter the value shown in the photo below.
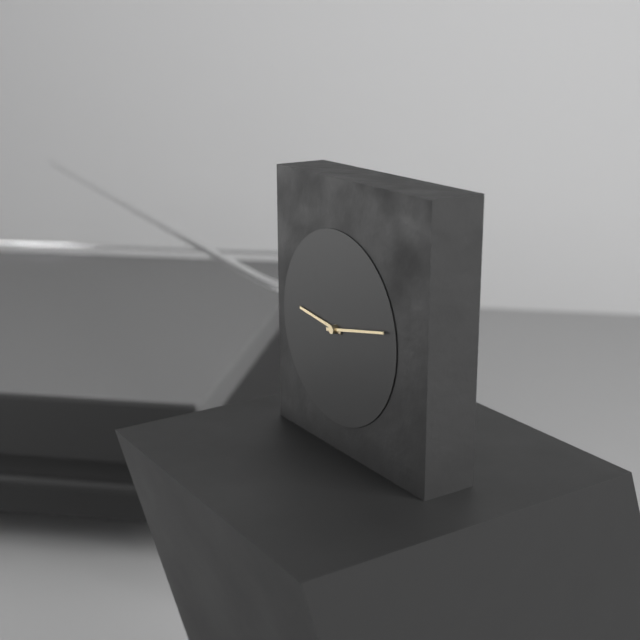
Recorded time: 9:13
